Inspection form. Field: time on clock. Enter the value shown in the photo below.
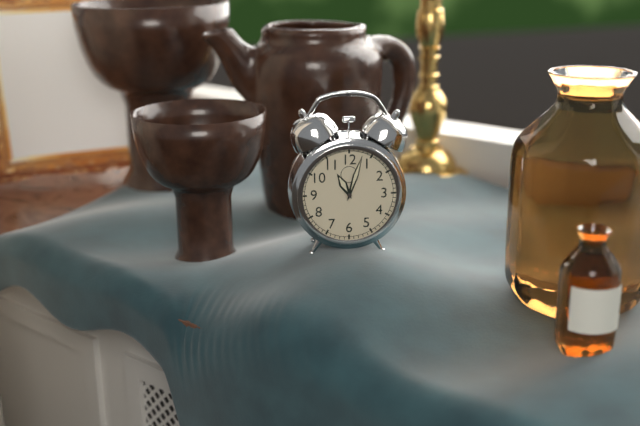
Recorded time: 11:03
